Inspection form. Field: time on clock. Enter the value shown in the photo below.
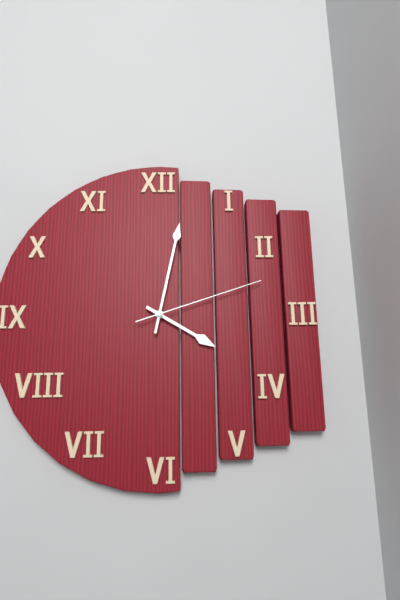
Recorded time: 4:02:12
